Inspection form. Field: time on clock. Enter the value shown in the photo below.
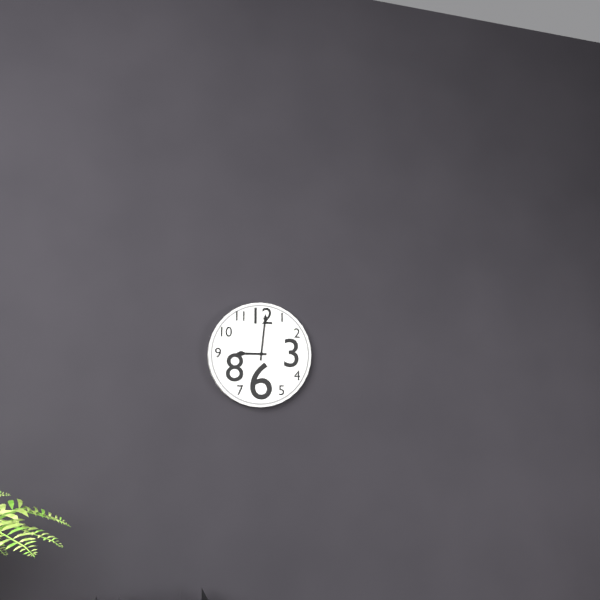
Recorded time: 9:01
